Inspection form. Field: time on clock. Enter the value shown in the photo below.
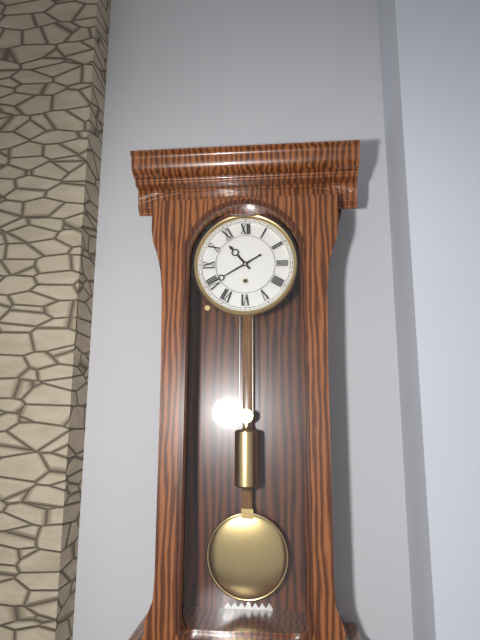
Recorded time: 10:40
